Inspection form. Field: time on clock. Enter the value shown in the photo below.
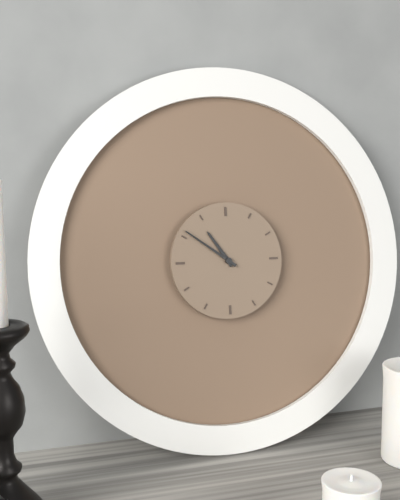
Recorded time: 10:51
